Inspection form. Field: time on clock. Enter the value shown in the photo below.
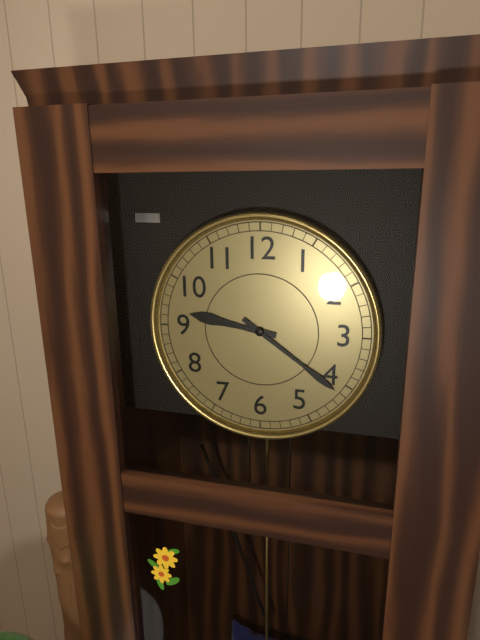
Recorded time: 9:21
